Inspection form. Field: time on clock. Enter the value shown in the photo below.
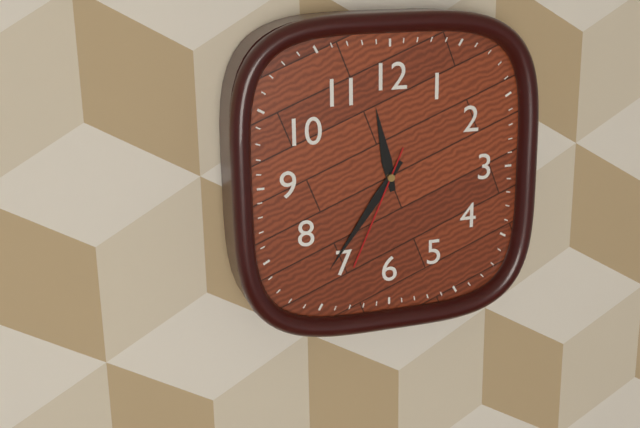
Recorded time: 11:36:34
